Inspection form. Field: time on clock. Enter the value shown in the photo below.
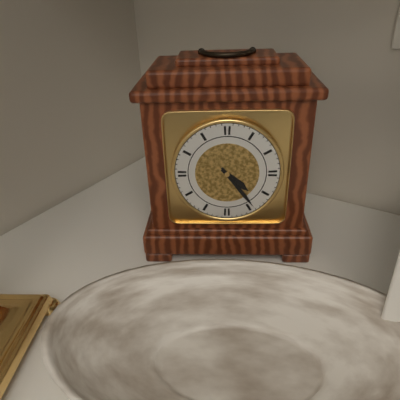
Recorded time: 4:24
